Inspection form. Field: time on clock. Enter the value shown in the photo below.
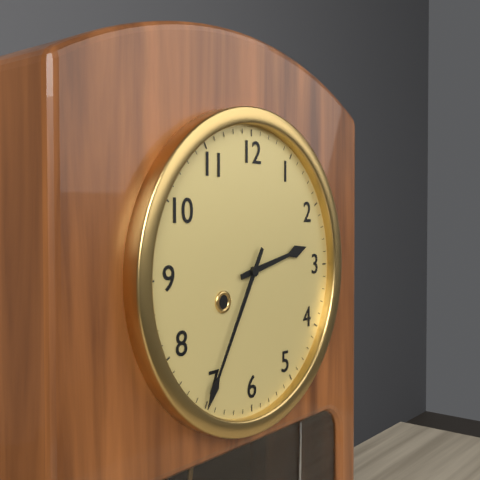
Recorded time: 2:35
